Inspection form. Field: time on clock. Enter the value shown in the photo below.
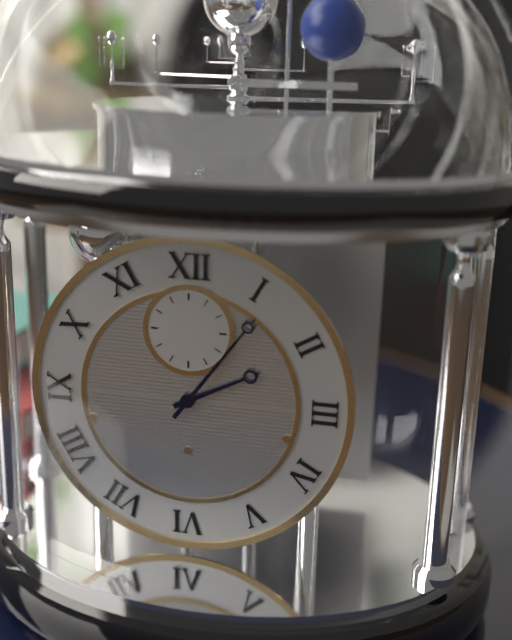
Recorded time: 2:06
